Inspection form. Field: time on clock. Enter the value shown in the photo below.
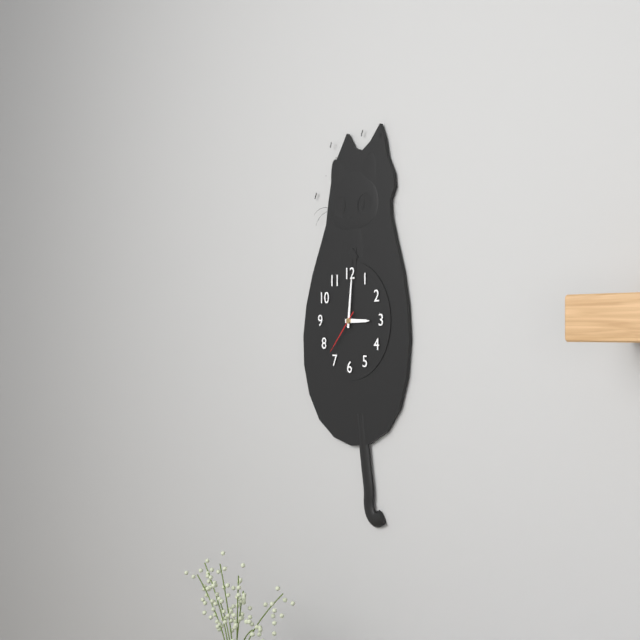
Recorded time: 3:01:37
